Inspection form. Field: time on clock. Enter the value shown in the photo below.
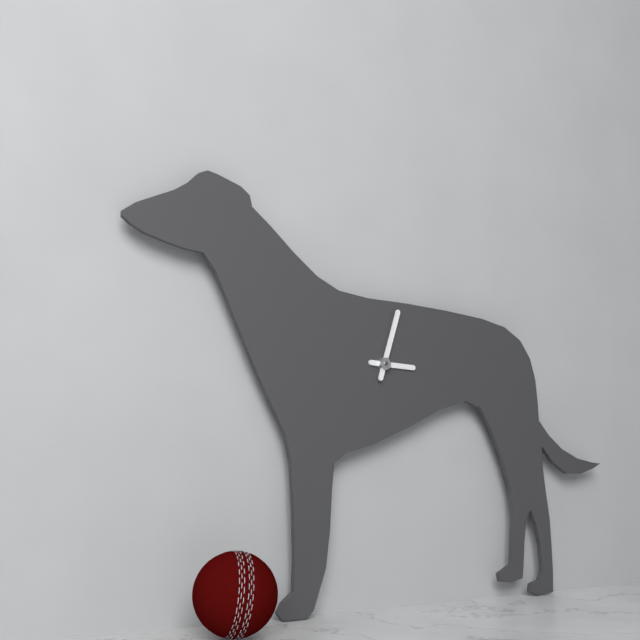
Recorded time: 3:03
